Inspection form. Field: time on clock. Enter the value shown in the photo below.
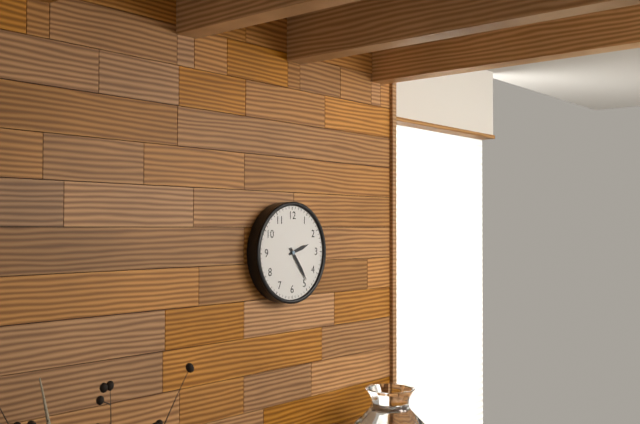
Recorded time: 2:24
